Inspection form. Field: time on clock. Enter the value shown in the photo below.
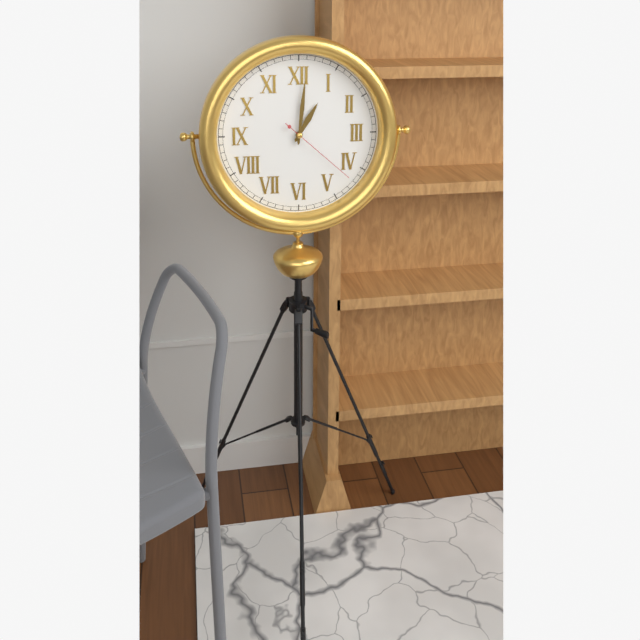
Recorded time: 1:01:22
